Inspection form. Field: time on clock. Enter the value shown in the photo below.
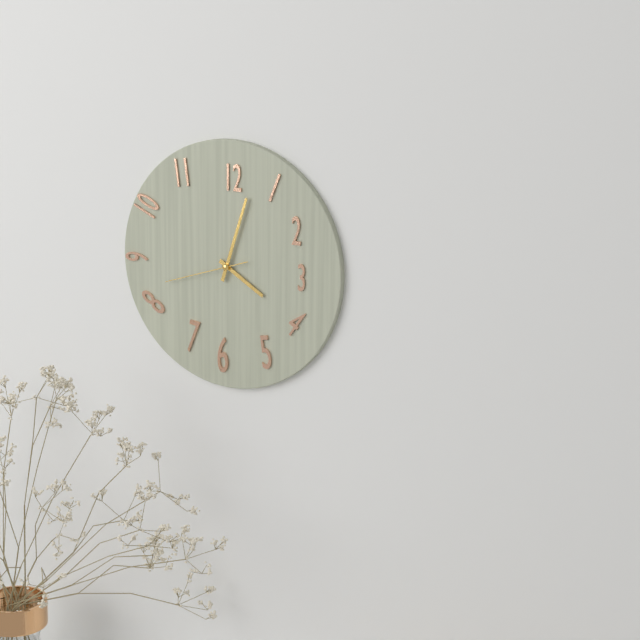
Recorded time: 4:03:42
